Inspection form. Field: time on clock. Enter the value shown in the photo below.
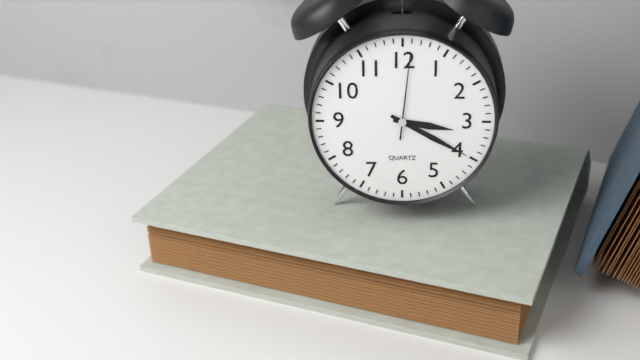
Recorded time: 3:20:01
